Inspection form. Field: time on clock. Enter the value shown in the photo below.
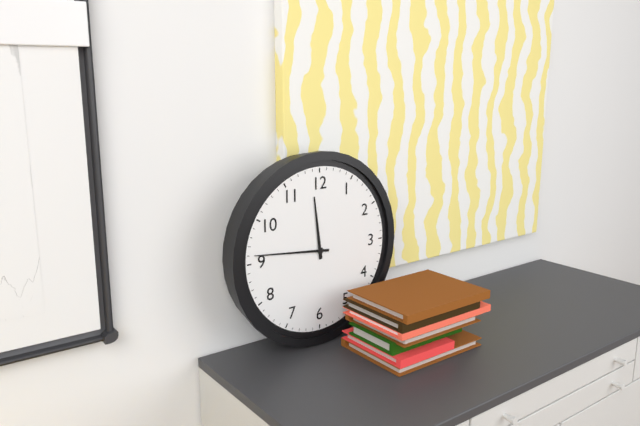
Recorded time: 11:46
